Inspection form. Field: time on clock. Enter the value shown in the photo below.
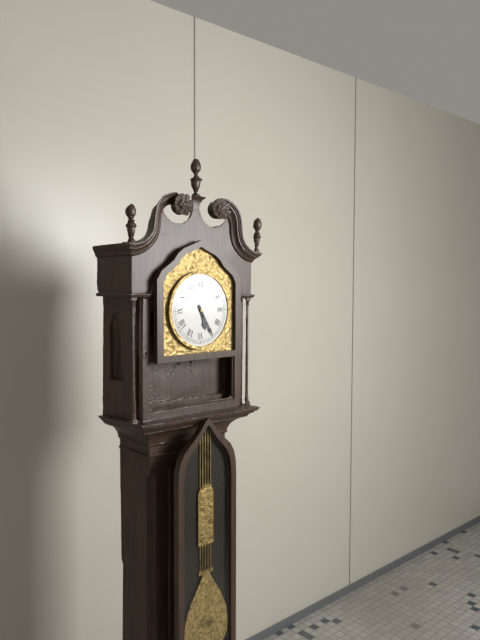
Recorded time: 5:25
